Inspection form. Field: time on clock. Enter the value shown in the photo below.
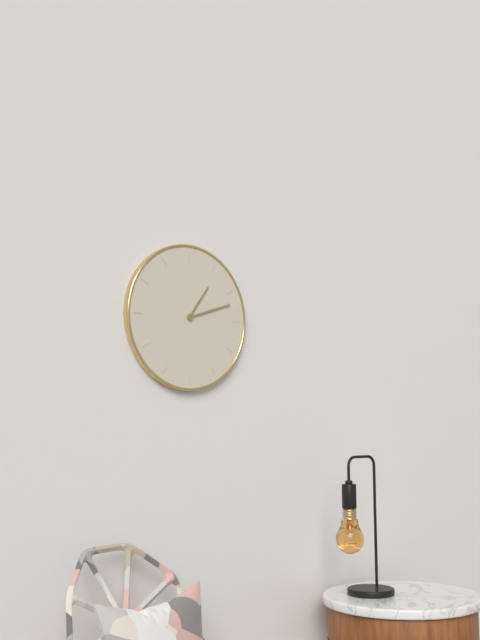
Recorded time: 1:12
